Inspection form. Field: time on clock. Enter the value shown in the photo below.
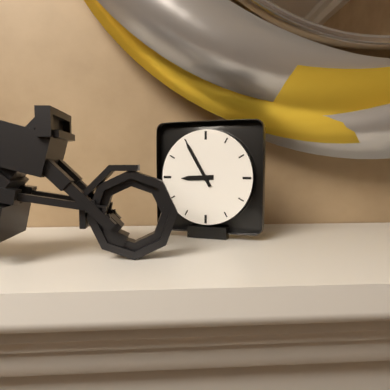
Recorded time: 8:55
